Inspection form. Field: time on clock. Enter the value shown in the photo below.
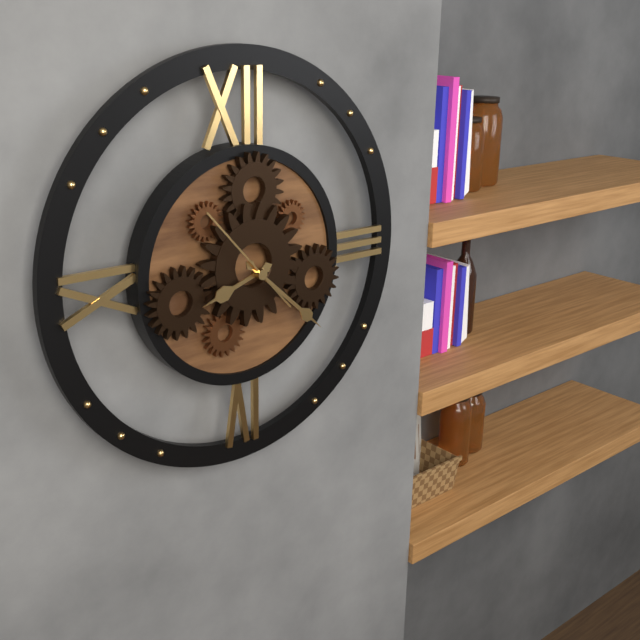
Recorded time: 8:22:53
